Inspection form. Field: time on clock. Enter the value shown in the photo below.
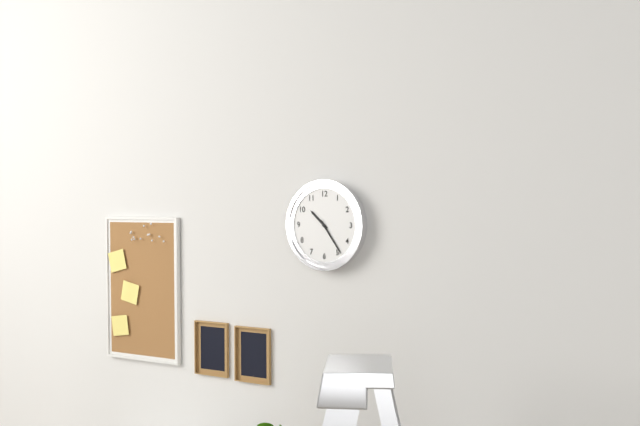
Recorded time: 10:24
